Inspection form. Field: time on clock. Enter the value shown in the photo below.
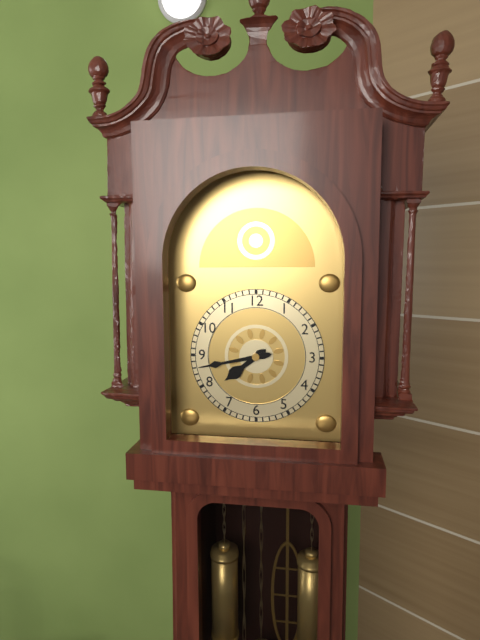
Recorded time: 7:43
